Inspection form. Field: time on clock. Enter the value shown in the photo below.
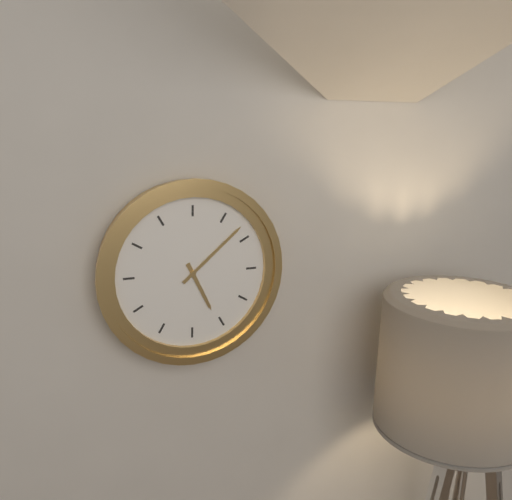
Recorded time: 5:08
